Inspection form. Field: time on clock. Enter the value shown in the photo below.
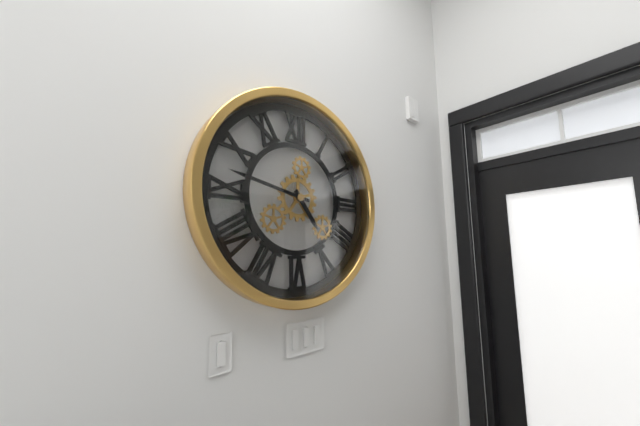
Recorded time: 4:47
